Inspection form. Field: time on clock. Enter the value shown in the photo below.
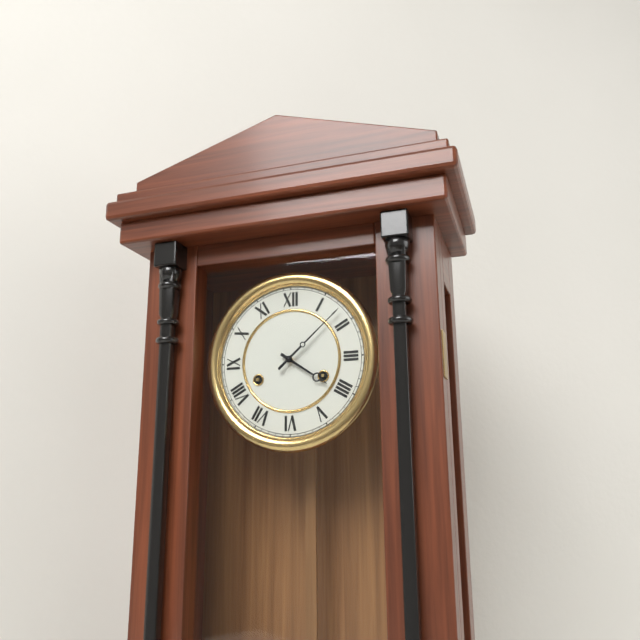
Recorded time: 4:08
